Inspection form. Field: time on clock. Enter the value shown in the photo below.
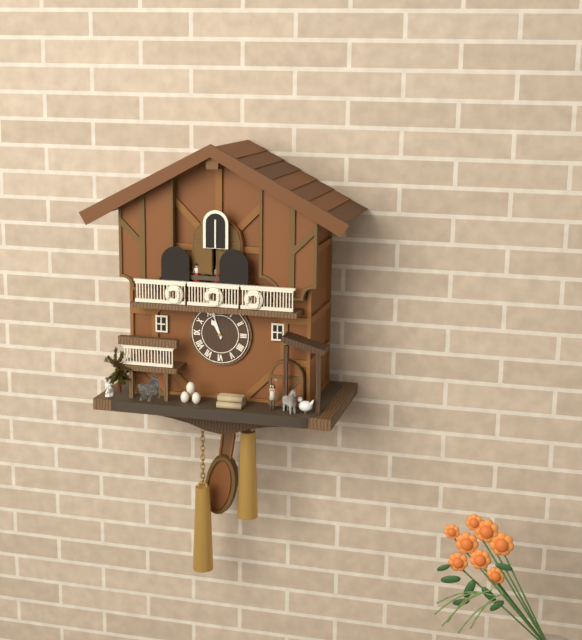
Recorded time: 10:57
